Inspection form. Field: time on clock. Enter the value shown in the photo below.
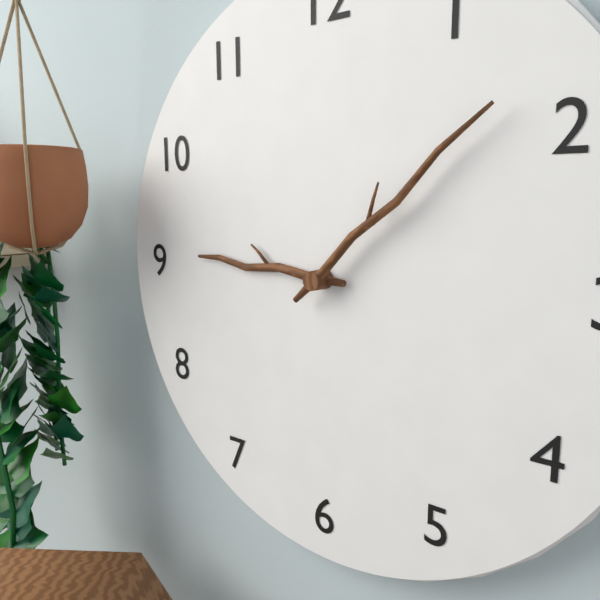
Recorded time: 9:08
